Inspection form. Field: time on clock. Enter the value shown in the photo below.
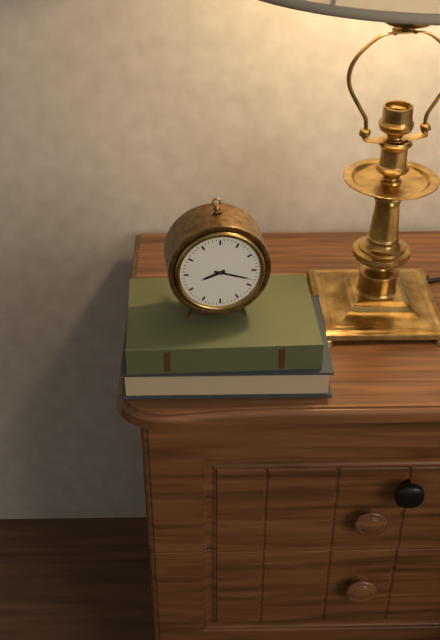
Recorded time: 8:18
